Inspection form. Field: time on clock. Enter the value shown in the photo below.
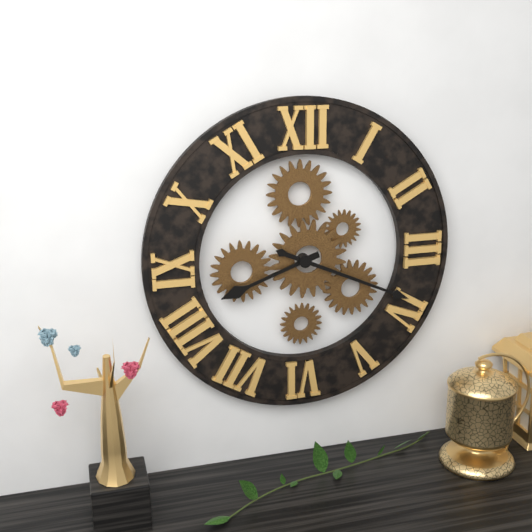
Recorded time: 8:19
